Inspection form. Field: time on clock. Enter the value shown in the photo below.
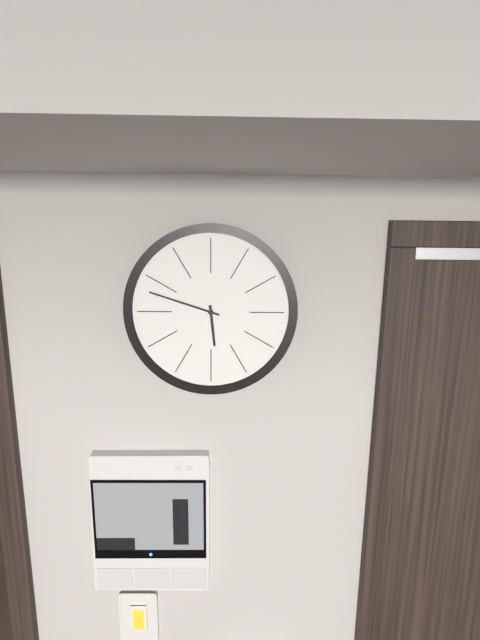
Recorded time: 5:48
